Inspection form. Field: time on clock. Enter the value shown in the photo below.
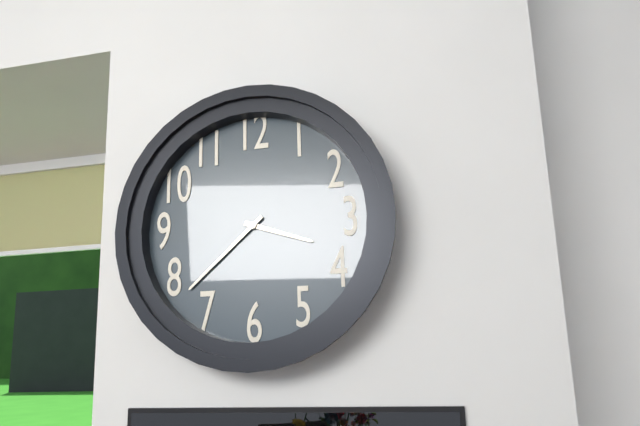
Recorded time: 3:38
